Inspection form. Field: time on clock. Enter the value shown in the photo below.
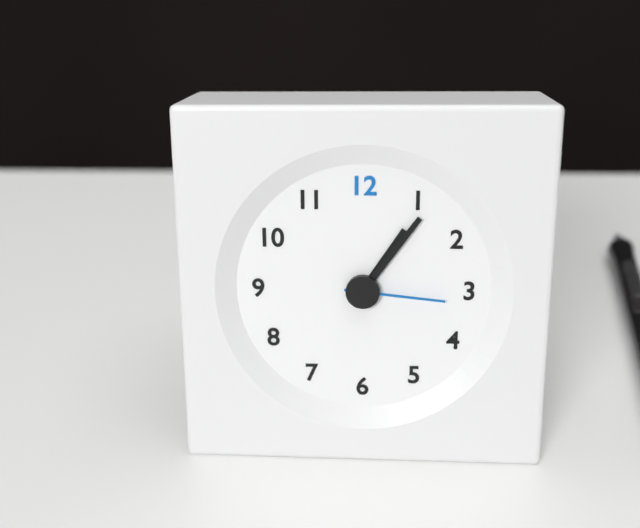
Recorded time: 1:06:16
